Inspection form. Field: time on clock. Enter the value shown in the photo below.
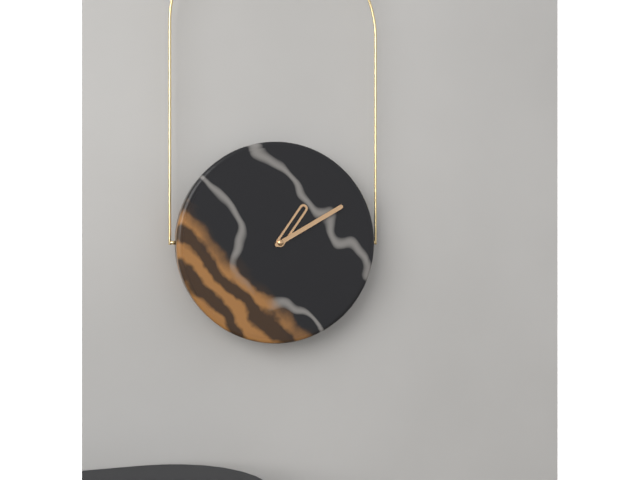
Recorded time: 1:10
